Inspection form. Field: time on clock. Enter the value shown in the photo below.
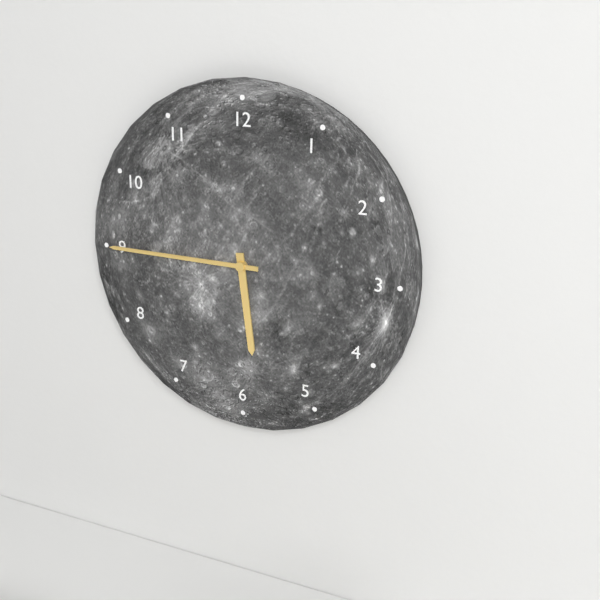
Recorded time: 5:45
